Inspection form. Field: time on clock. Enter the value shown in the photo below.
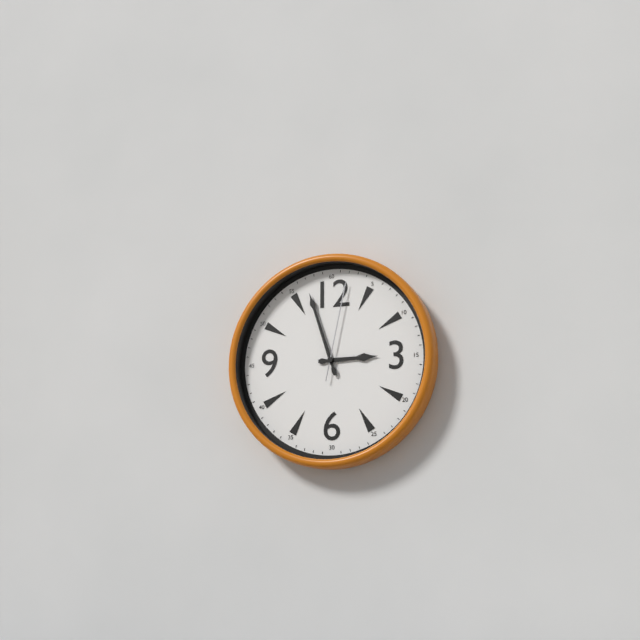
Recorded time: 2:57:02
